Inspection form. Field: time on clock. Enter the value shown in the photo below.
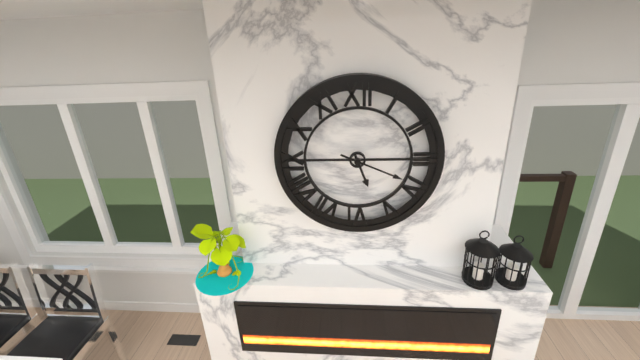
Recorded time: 5:19
